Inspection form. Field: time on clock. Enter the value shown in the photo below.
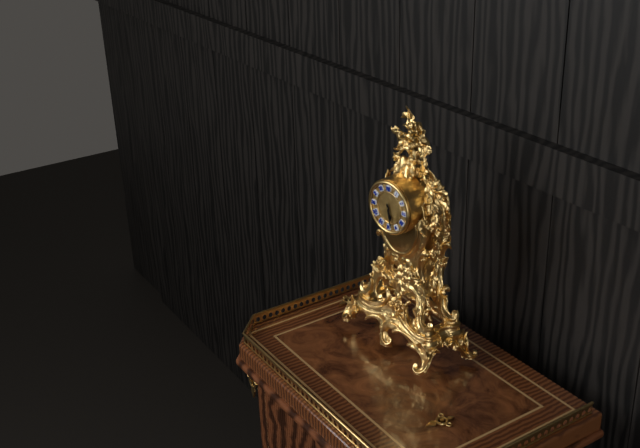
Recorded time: 5:28
